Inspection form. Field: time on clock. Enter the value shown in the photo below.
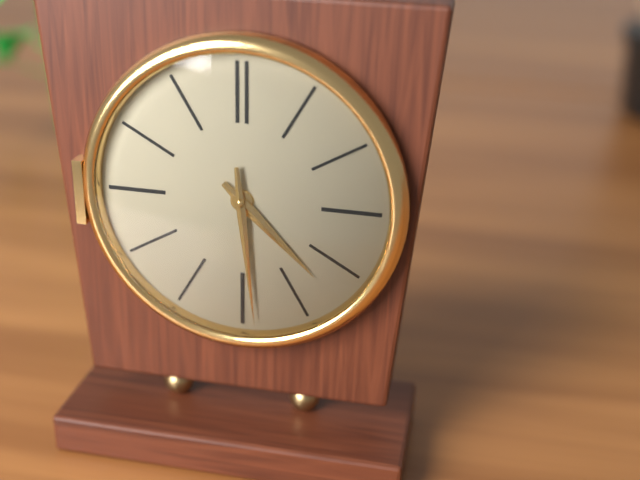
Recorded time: 4:29
